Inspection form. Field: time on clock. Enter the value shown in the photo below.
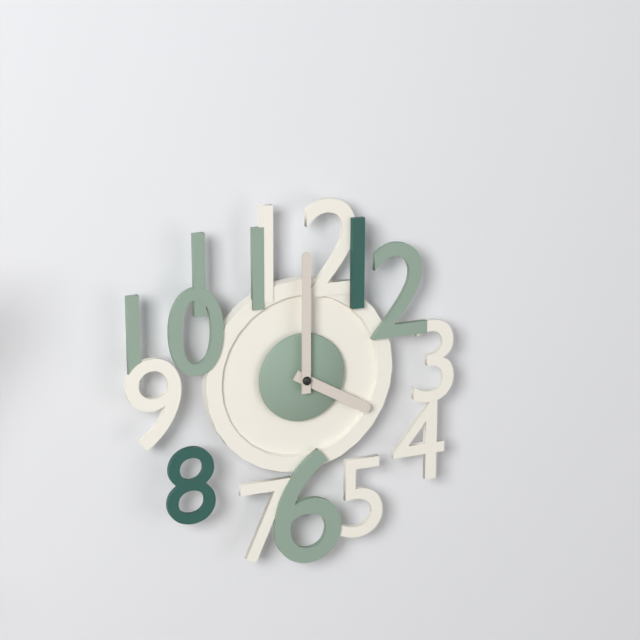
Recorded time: 4:00
